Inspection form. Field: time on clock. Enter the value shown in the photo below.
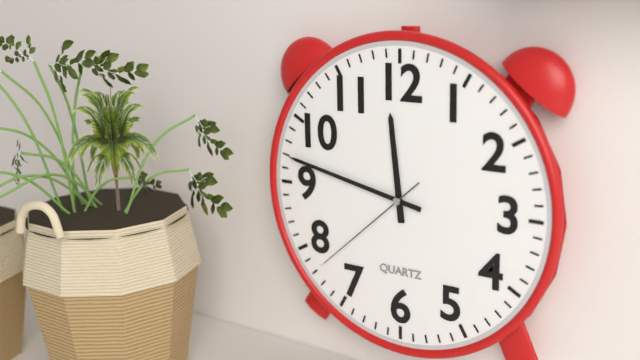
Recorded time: 11:47:38
